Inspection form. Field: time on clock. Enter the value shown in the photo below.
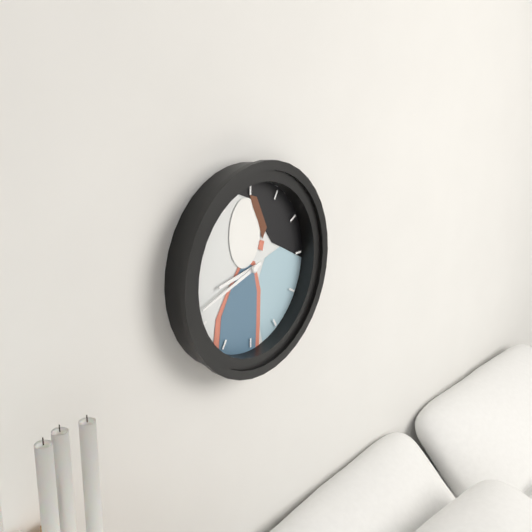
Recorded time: 8:42
